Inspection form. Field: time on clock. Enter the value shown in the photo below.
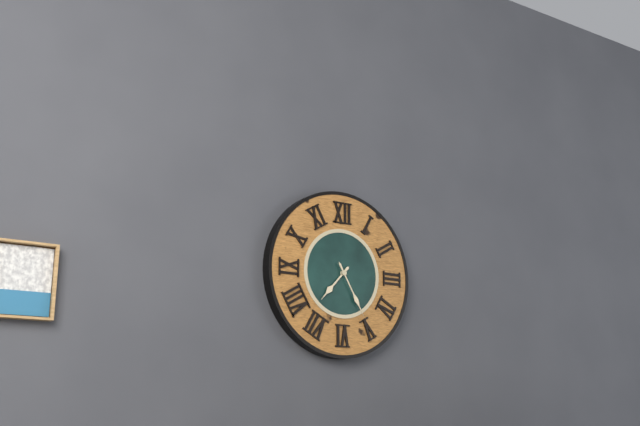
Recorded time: 7:25
